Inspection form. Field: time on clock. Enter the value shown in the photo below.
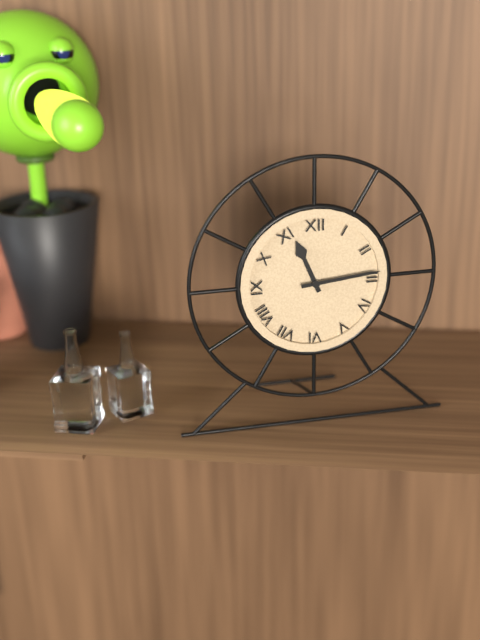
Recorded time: 11:14
